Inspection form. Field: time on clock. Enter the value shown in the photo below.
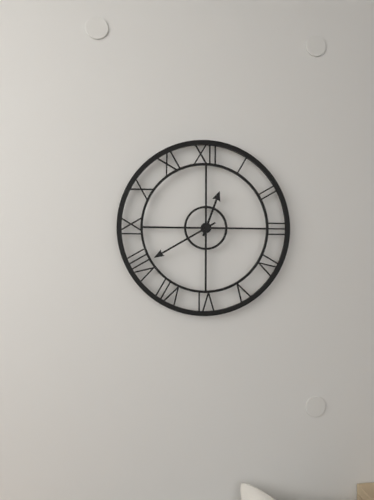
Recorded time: 12:40
